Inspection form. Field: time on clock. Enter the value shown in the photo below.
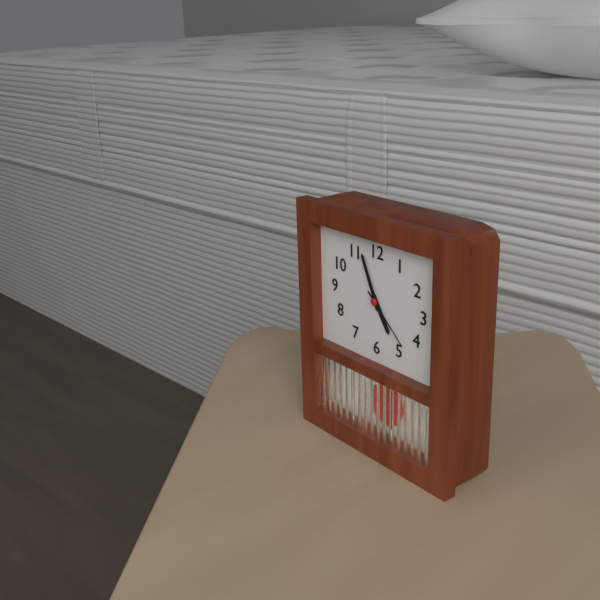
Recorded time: 4:56:22
